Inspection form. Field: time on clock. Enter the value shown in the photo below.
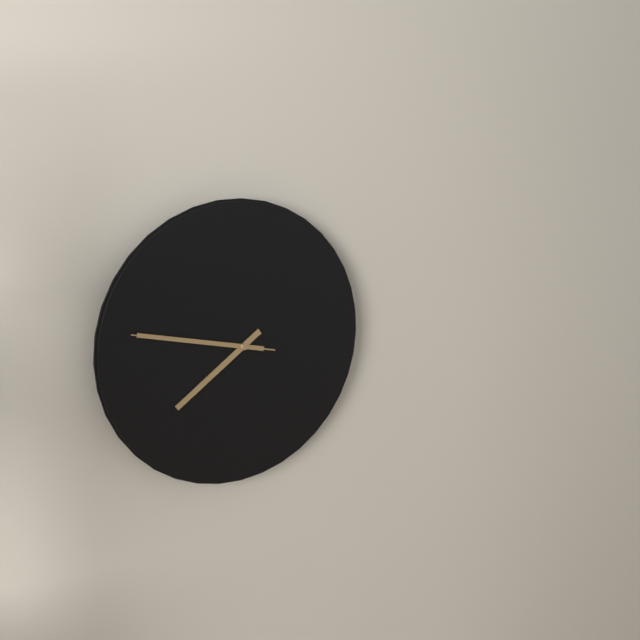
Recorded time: 7:47:47
